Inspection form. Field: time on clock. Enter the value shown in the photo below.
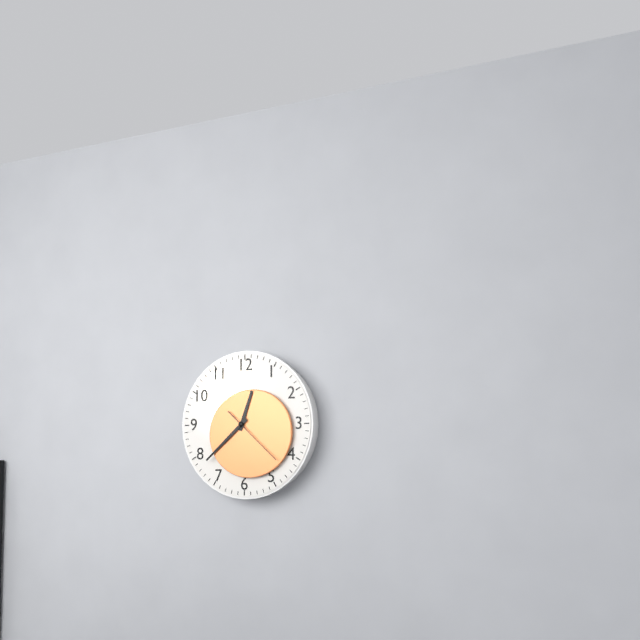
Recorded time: 12:38:22
